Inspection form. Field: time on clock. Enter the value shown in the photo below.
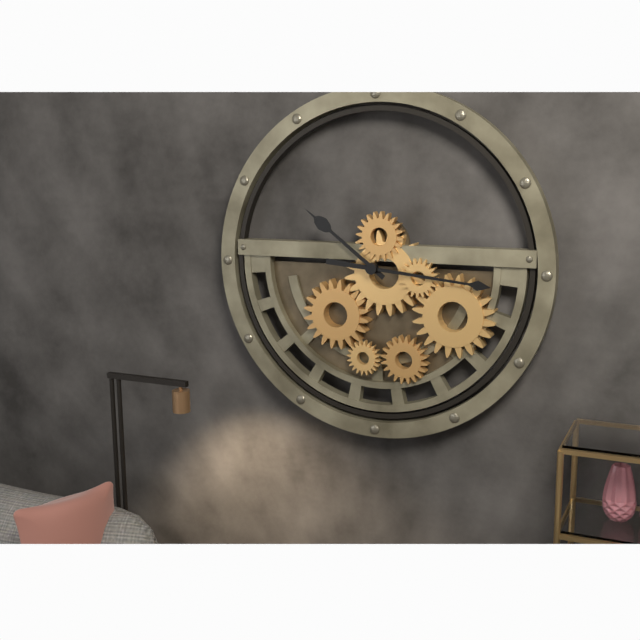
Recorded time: 10:16
